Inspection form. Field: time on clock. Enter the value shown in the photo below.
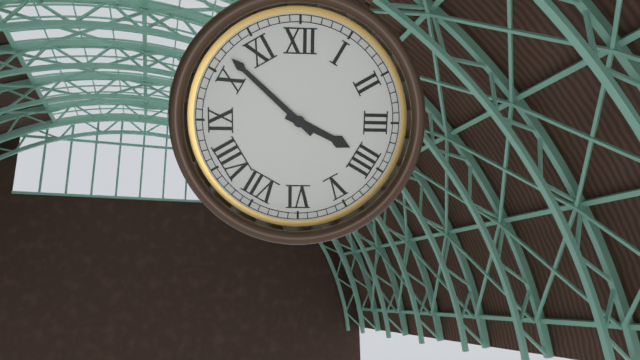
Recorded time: 3:52
